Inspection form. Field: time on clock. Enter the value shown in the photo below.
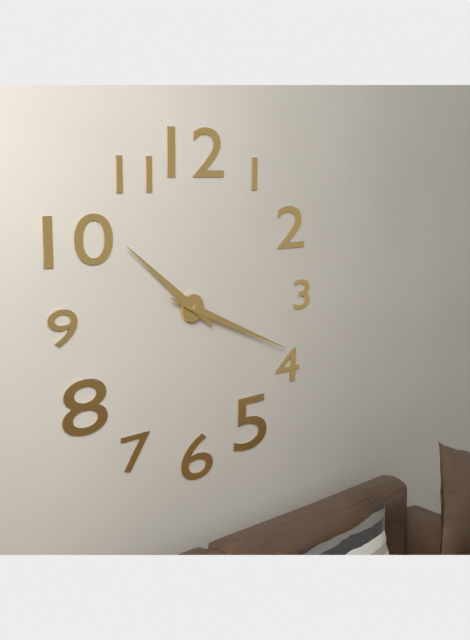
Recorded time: 10:19
